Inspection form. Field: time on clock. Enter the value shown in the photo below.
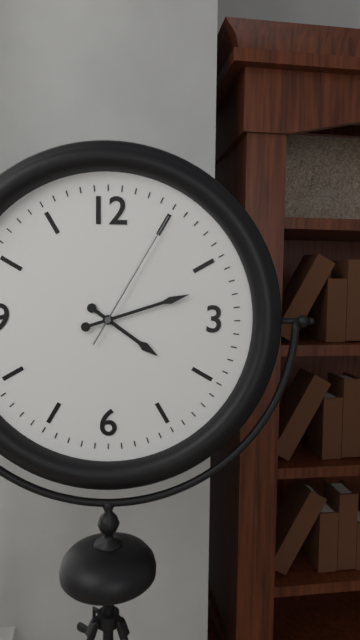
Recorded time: 4:12:05
